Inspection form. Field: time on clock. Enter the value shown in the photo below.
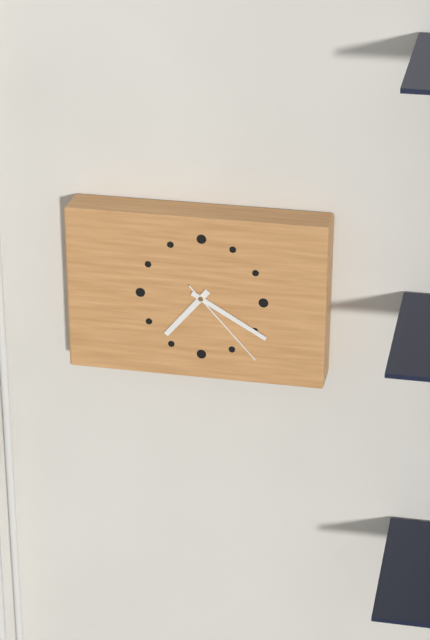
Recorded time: 7:20:23
